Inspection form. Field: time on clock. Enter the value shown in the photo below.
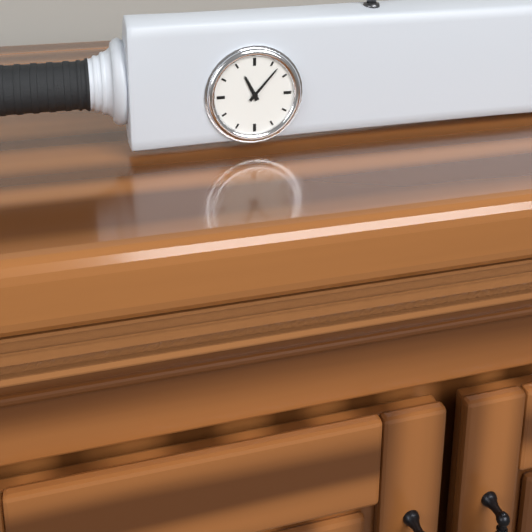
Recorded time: 11:07
